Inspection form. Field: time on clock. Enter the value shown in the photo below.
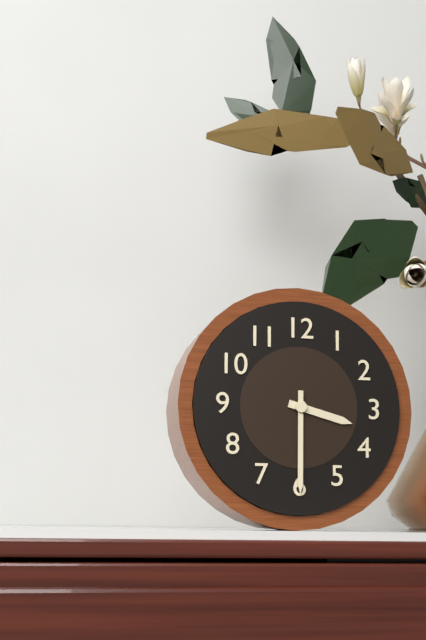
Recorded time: 3:30
